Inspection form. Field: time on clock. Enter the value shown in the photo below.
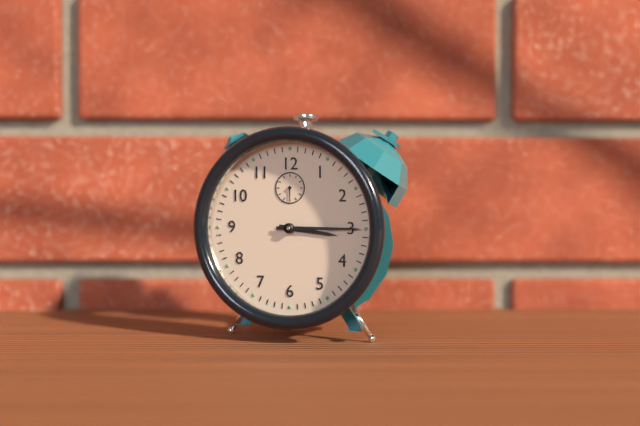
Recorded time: 3:15
